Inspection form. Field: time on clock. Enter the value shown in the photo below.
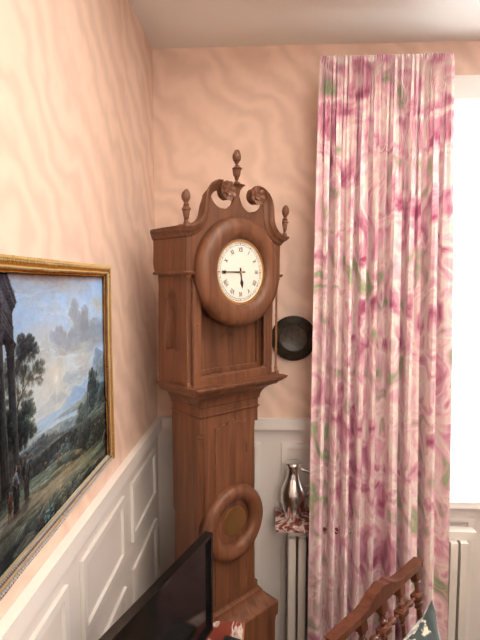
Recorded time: 5:45
